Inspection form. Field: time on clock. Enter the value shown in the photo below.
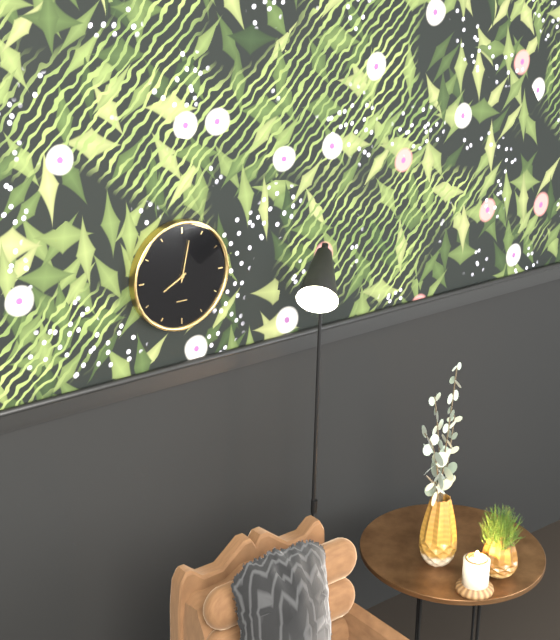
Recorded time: 8:02
